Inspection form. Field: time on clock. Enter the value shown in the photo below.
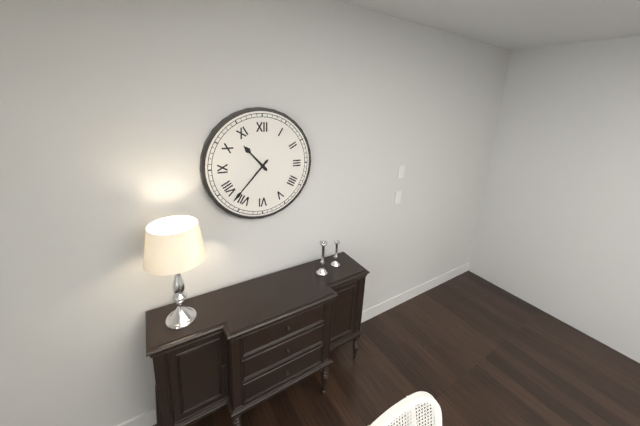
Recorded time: 10:37
